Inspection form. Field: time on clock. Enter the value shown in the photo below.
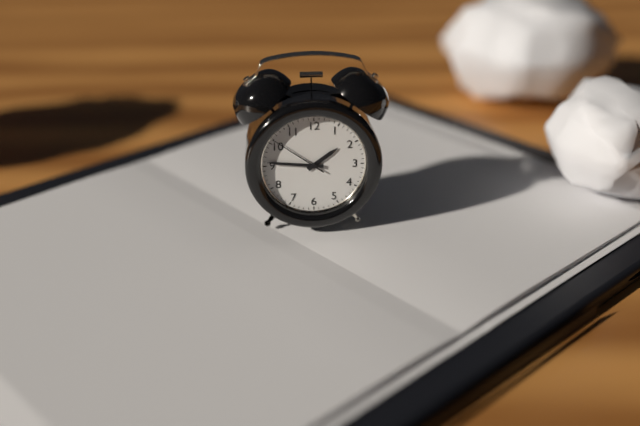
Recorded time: 1:46:51
